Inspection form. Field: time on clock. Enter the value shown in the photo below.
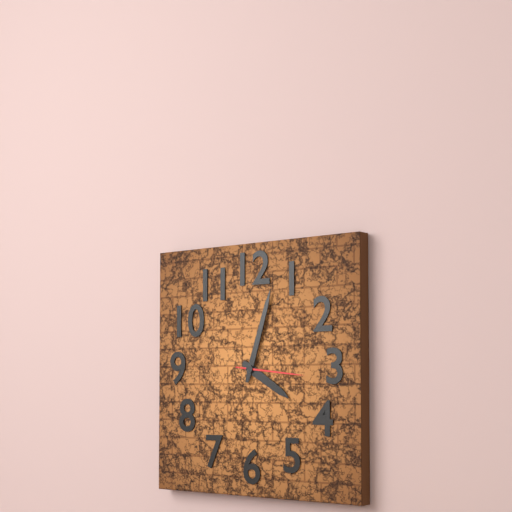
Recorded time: 4:03:16
